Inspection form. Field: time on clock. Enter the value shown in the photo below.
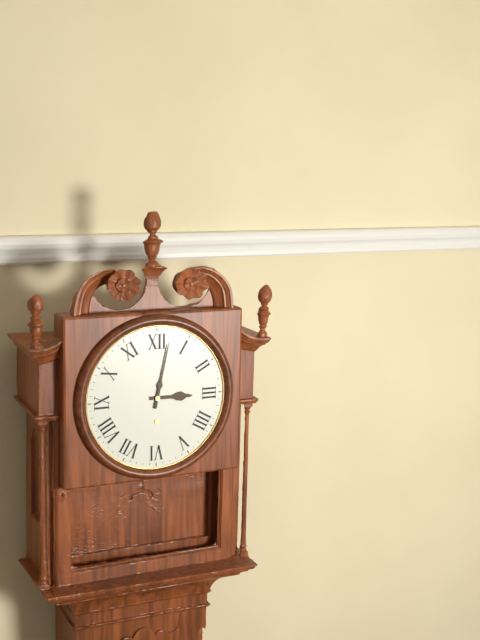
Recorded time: 3:02
